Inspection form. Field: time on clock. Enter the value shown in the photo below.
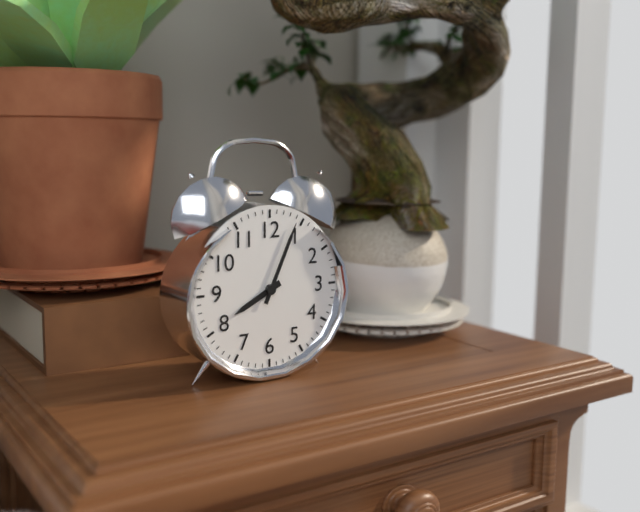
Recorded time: 8:04
